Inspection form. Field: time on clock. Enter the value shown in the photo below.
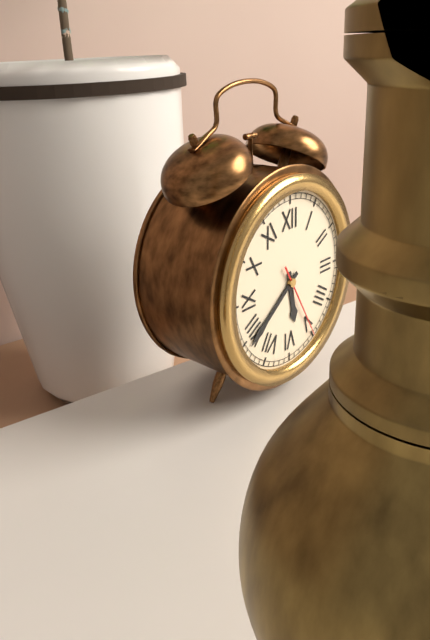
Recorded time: 5:39:25
